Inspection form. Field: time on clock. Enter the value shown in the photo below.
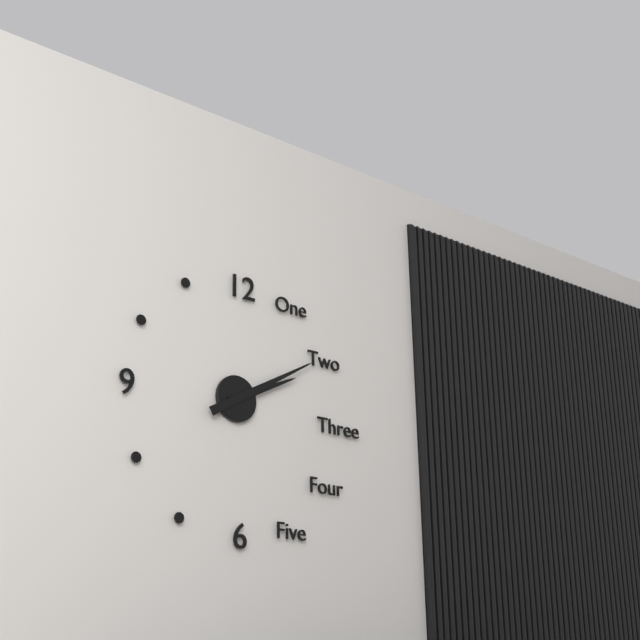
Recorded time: 2:10
